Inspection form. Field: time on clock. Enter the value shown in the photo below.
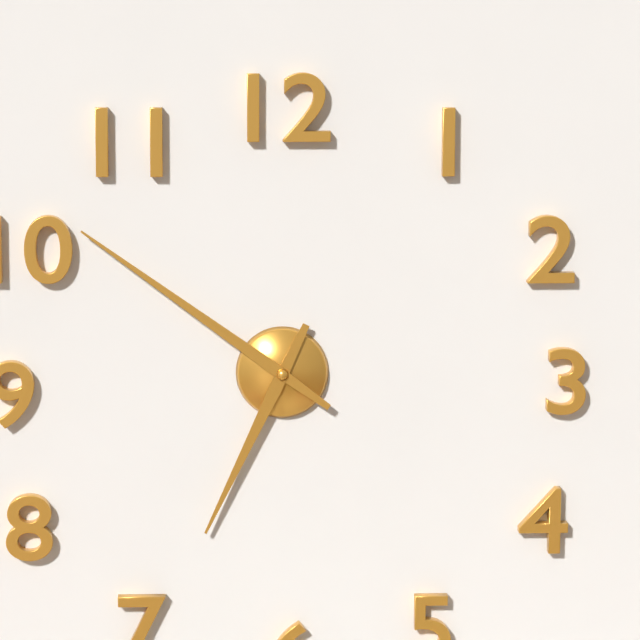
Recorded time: 6:51
